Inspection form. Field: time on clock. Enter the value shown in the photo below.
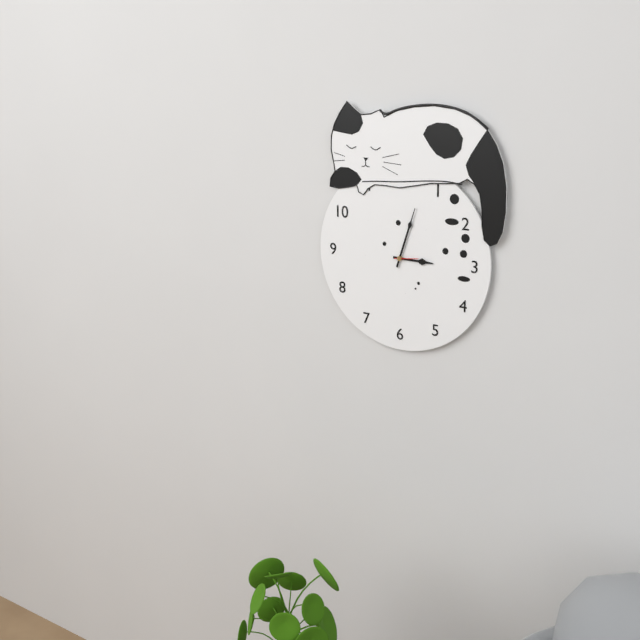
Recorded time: 3:03
